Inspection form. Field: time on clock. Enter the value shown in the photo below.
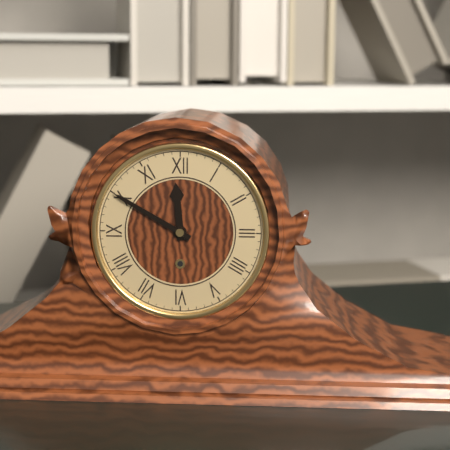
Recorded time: 11:50
